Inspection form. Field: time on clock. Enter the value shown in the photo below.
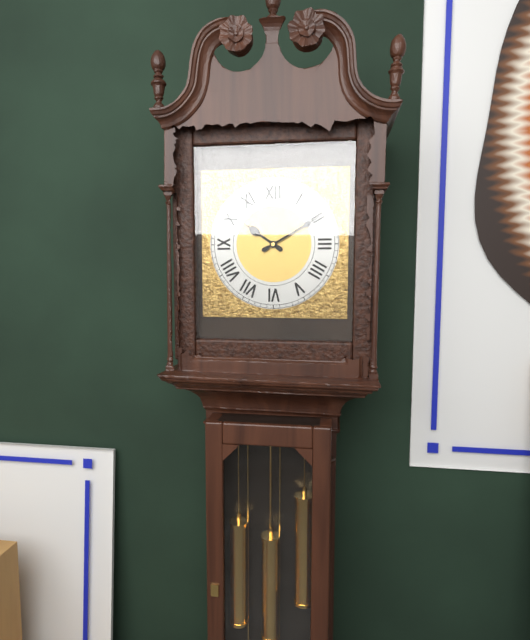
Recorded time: 10:10
